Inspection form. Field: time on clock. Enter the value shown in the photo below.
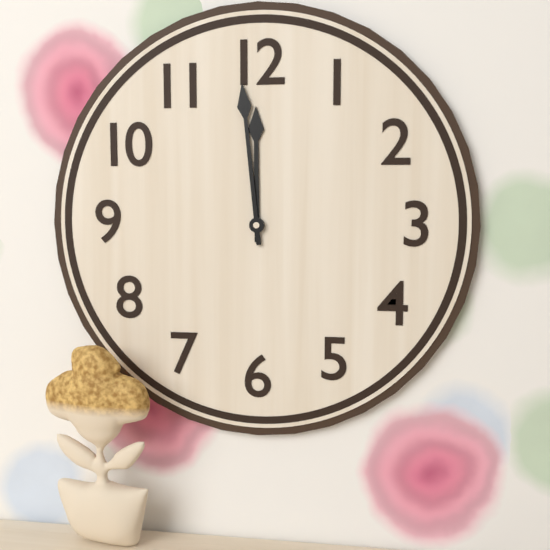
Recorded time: 11:59
